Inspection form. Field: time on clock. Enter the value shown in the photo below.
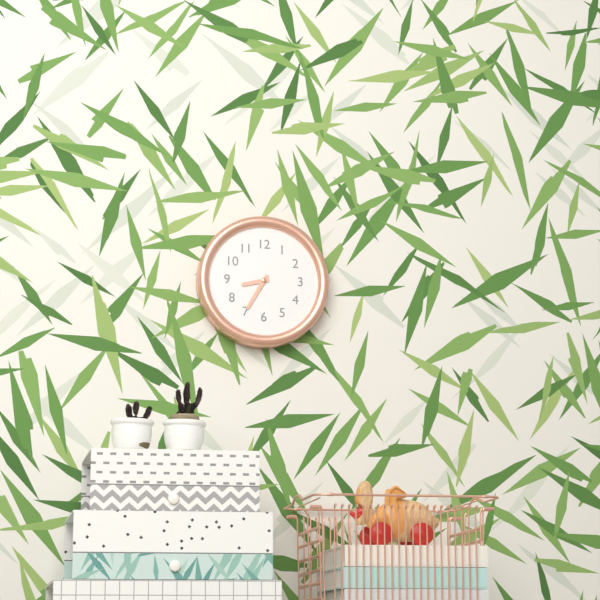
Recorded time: 8:35
